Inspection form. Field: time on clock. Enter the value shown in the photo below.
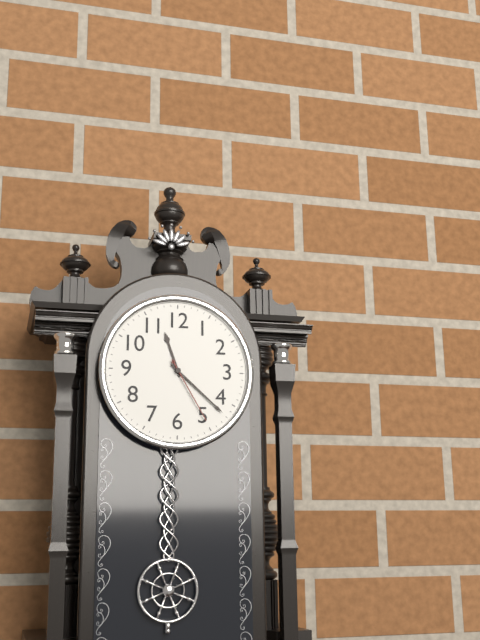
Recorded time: 11:22:25
